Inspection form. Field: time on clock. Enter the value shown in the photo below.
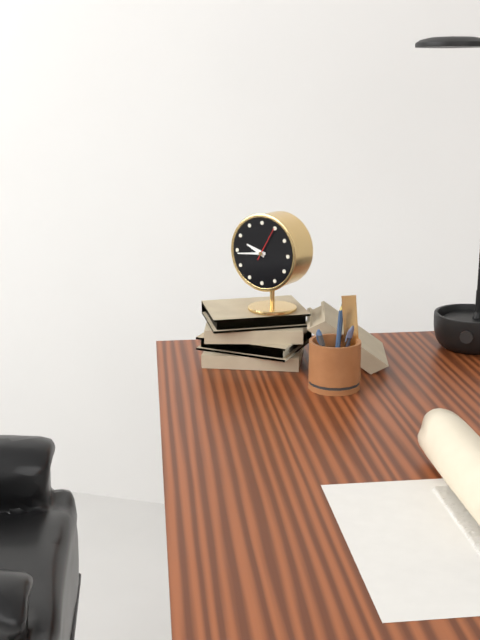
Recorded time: 9:44
